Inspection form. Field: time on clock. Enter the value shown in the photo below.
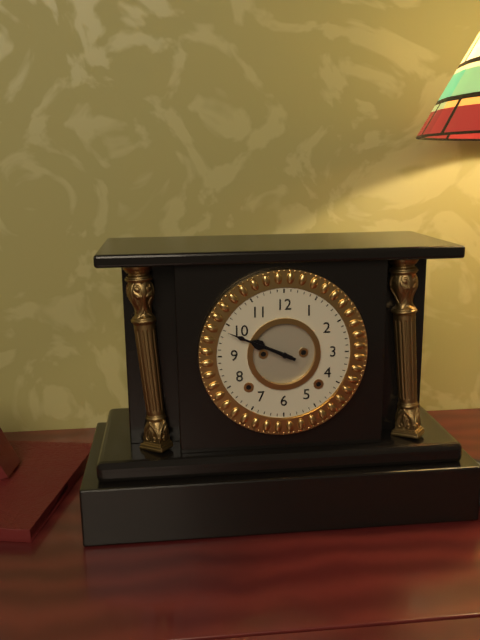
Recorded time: 9:49
